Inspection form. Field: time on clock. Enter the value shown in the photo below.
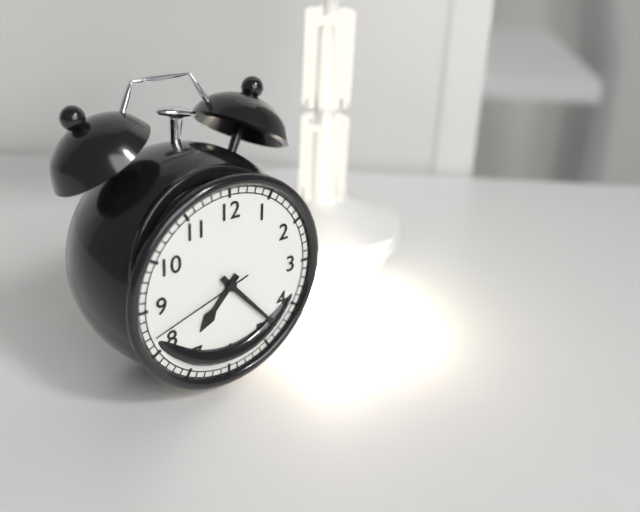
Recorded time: 7:23:42
